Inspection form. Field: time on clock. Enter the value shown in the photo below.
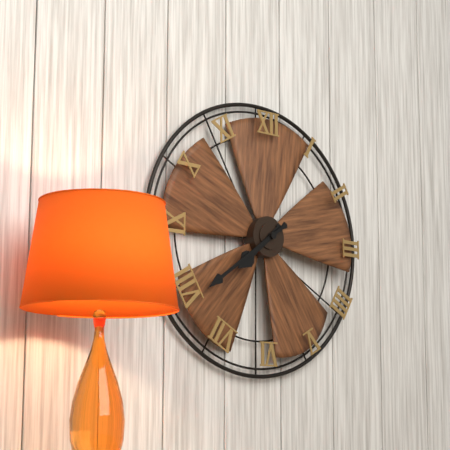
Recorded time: 7:39
